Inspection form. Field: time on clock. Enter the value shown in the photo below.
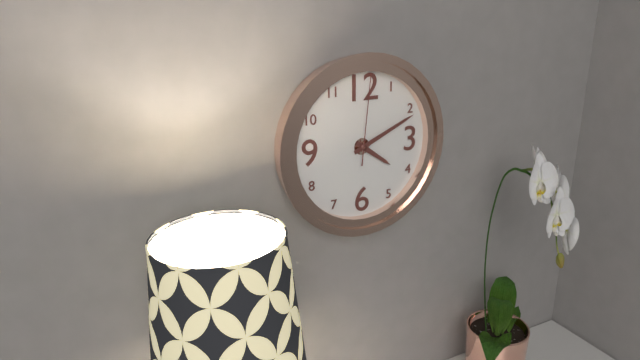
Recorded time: 4:11:01
